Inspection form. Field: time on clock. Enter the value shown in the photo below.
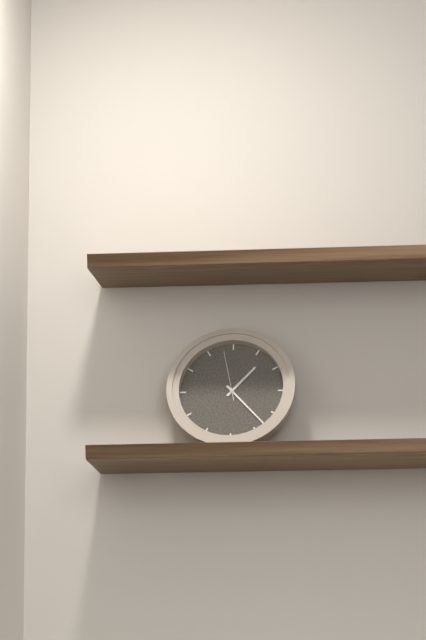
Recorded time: 1:23:58
